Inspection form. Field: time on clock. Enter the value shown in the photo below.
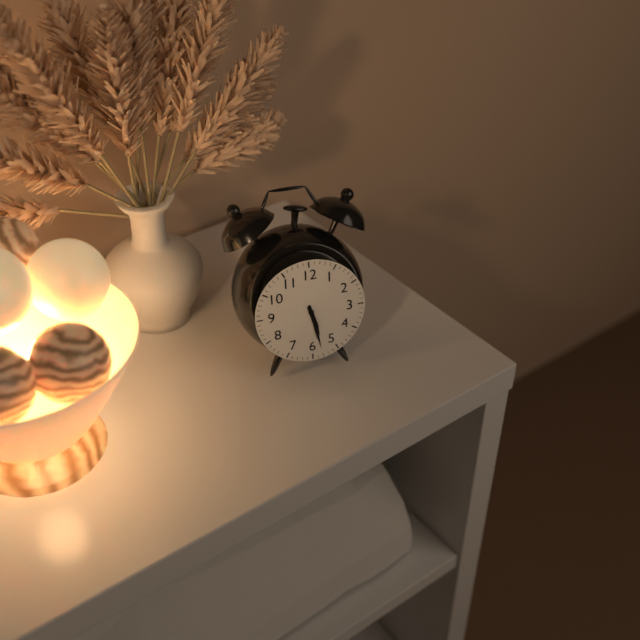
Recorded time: 5:28
